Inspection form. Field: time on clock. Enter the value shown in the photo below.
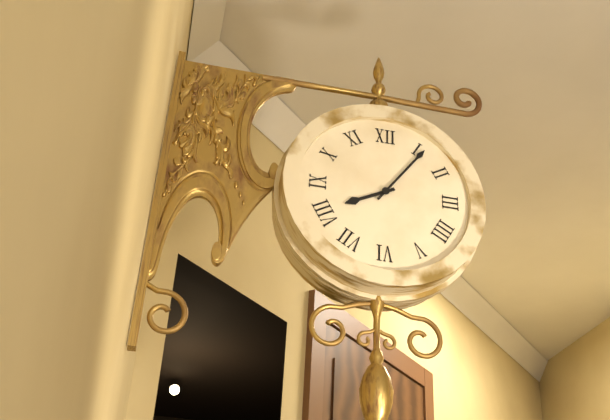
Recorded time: 8:06
